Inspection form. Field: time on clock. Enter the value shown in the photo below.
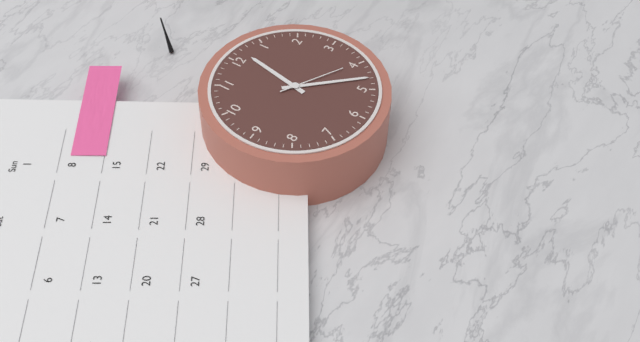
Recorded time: 12:23:20
